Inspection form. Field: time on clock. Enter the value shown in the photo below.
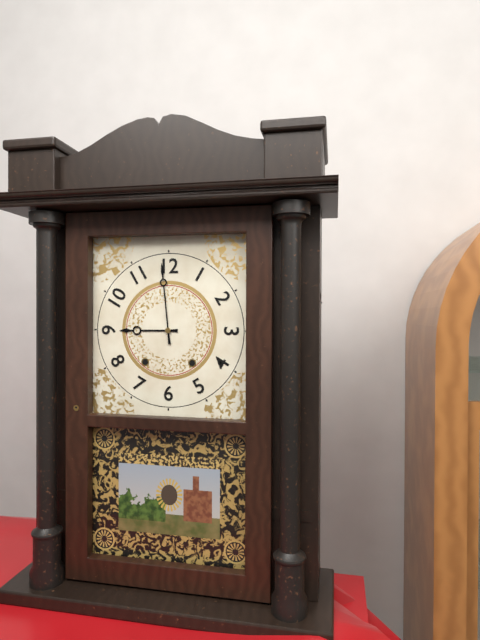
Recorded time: 8:59
